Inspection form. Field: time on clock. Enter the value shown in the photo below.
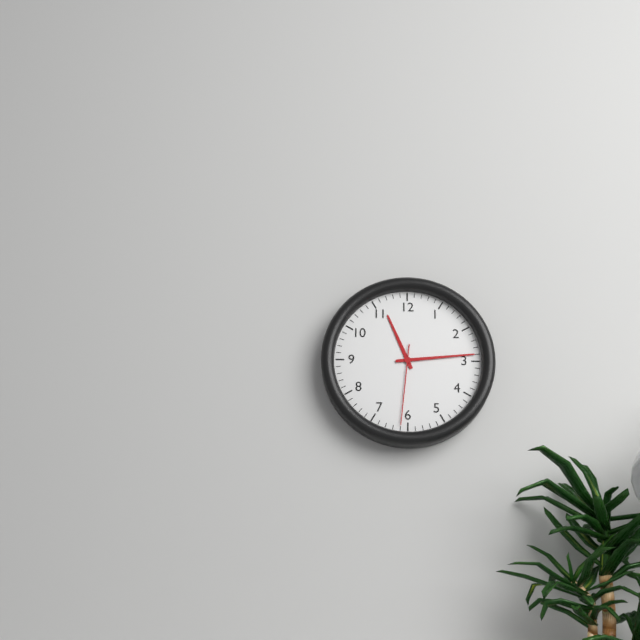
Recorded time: 11:14:31
